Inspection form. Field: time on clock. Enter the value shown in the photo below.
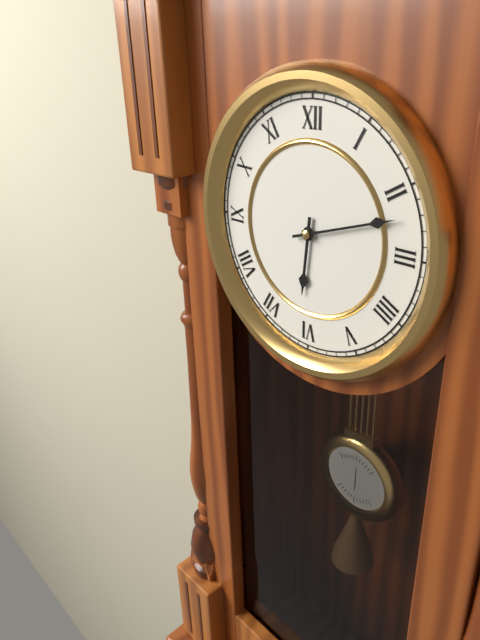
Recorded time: 6:12
